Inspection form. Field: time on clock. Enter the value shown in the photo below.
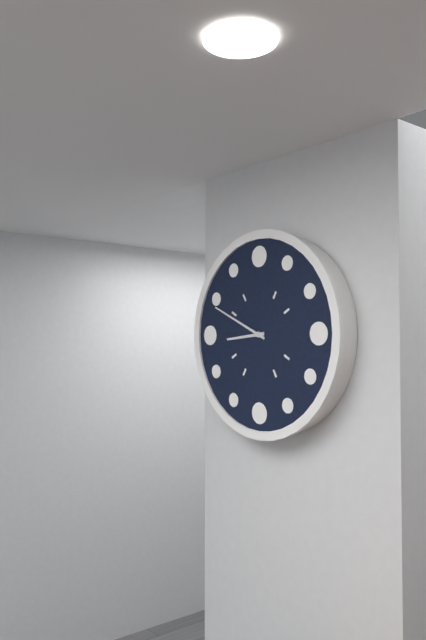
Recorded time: 8:49
